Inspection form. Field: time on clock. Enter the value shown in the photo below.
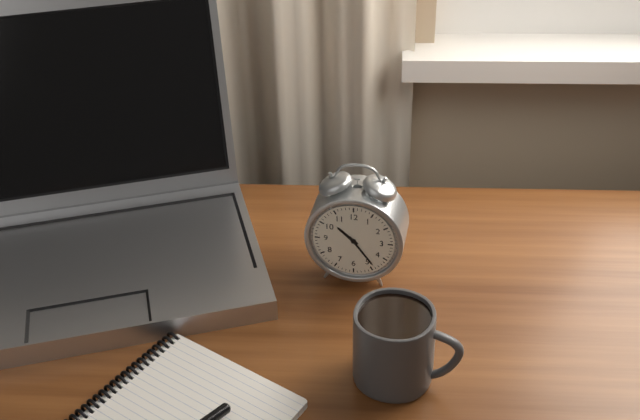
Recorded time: 10:24
